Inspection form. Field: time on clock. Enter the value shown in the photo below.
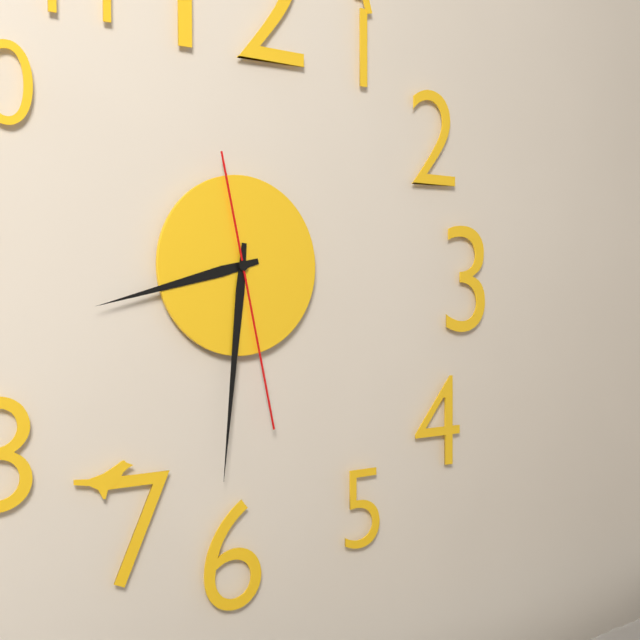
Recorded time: 8:31:28
